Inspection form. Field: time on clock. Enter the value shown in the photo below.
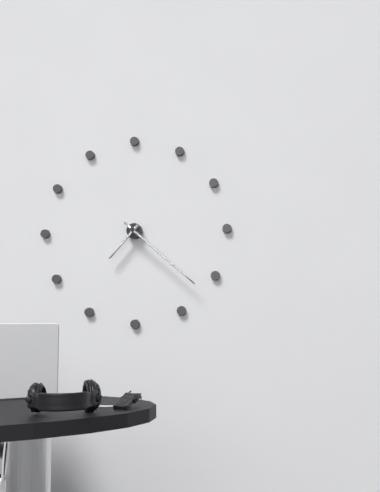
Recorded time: 7:22
